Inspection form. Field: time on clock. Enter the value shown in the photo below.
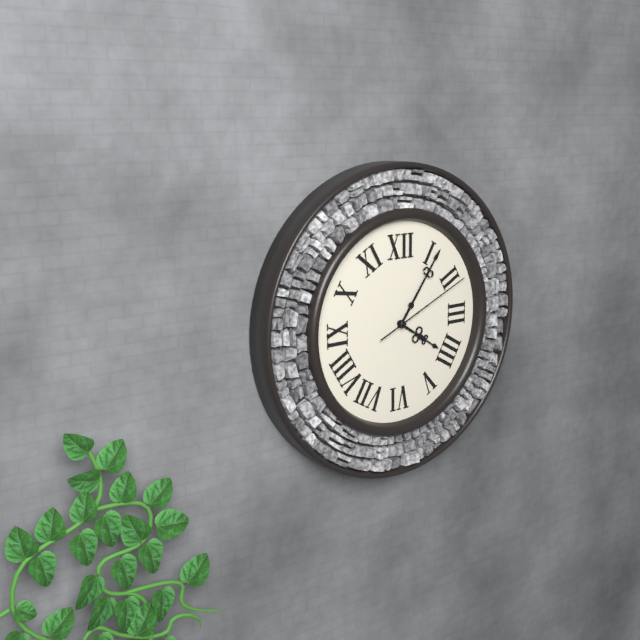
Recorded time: 4:06:11
